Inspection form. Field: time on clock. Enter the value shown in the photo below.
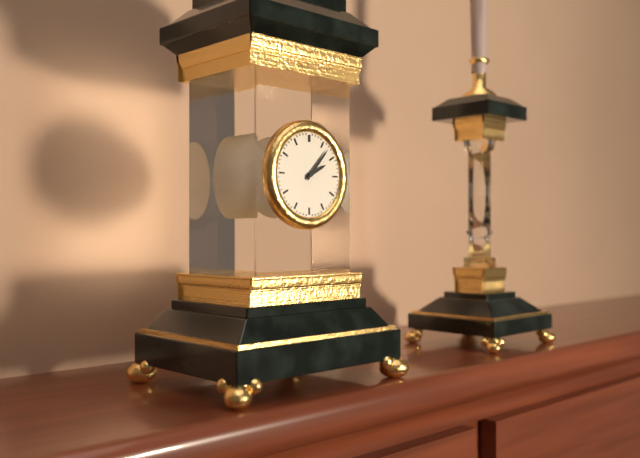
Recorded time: 2:07
